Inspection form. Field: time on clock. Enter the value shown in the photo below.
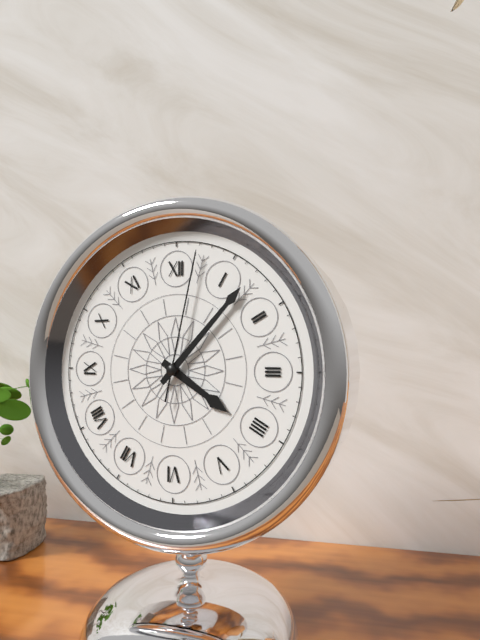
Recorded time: 4:07:02
